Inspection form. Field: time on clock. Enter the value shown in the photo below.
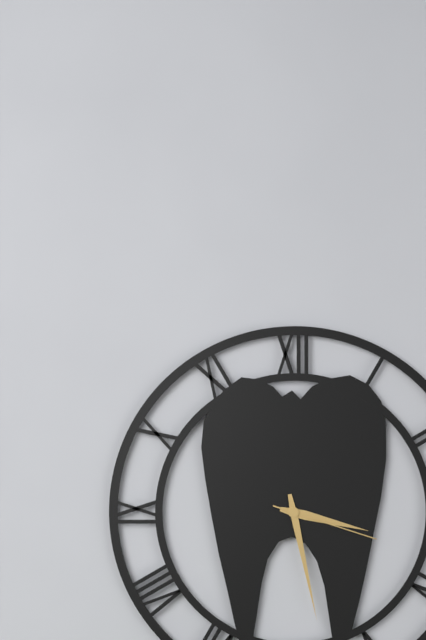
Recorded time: 3:28:18
